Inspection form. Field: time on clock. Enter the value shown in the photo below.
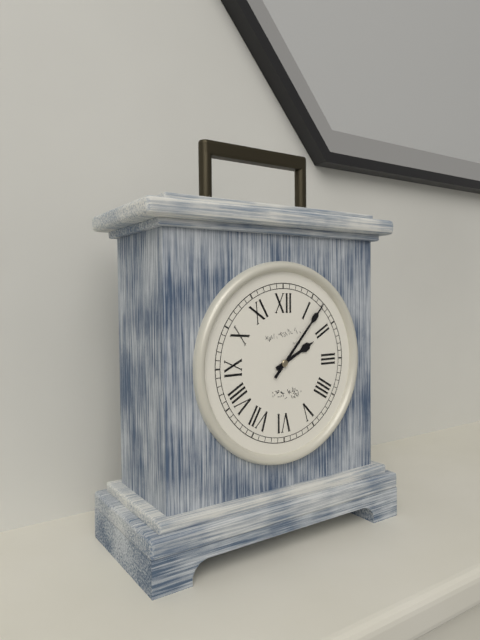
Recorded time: 2:07
